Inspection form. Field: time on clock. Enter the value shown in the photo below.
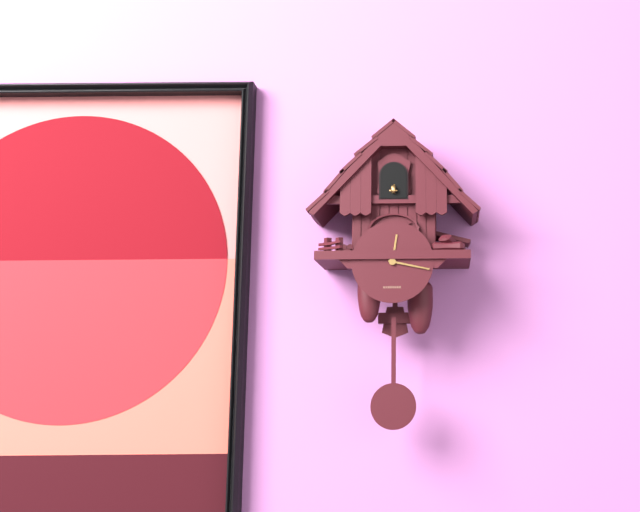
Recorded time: 12:17
